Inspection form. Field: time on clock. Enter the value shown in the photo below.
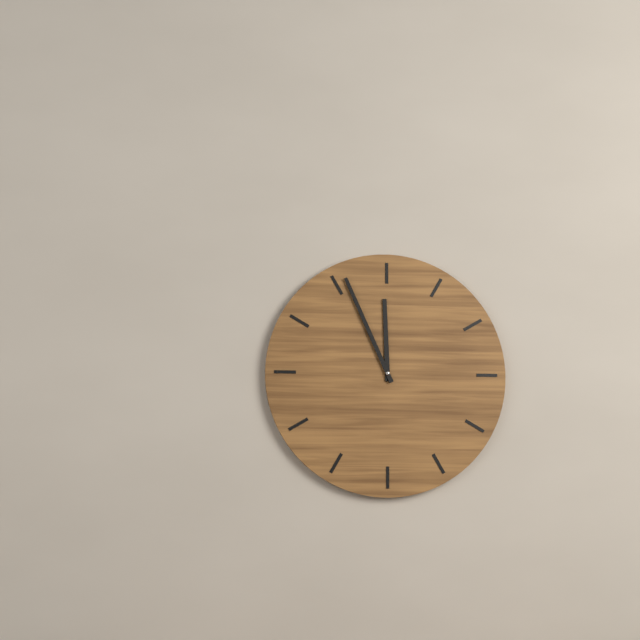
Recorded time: 11:56
